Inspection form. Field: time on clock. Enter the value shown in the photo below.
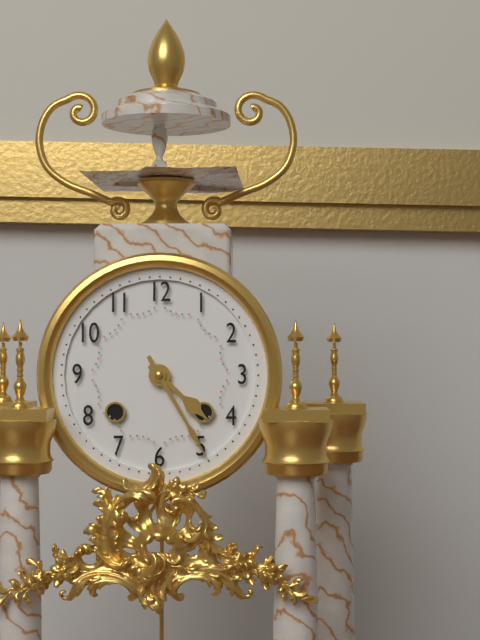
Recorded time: 4:25
